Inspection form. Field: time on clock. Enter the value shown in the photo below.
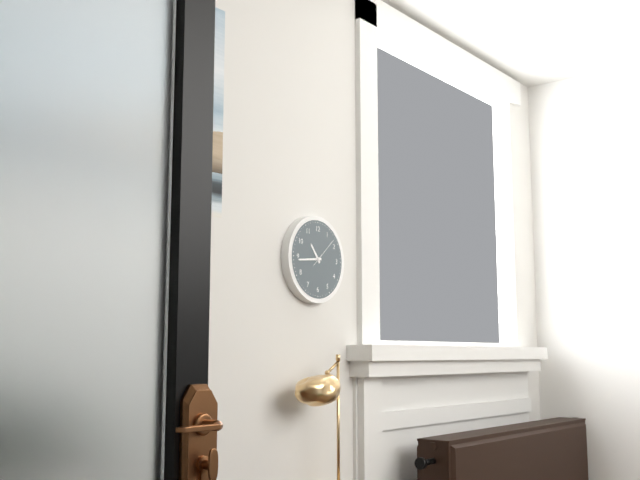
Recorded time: 10:44
